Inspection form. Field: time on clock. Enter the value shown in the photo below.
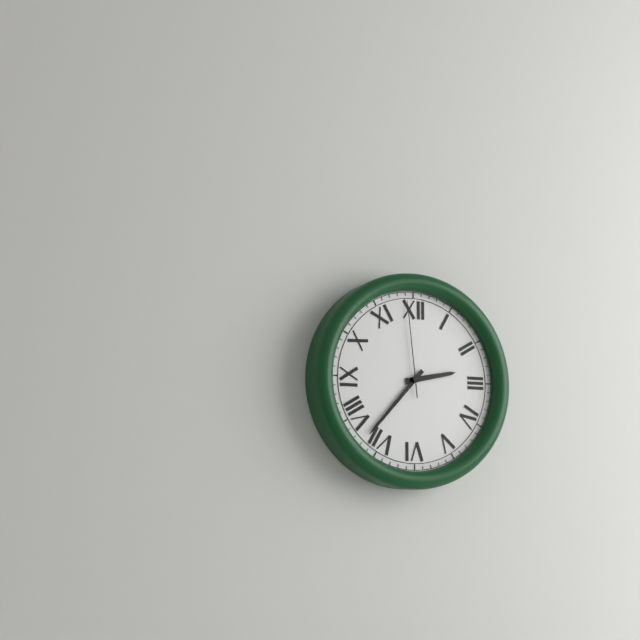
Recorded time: 2:37:59
